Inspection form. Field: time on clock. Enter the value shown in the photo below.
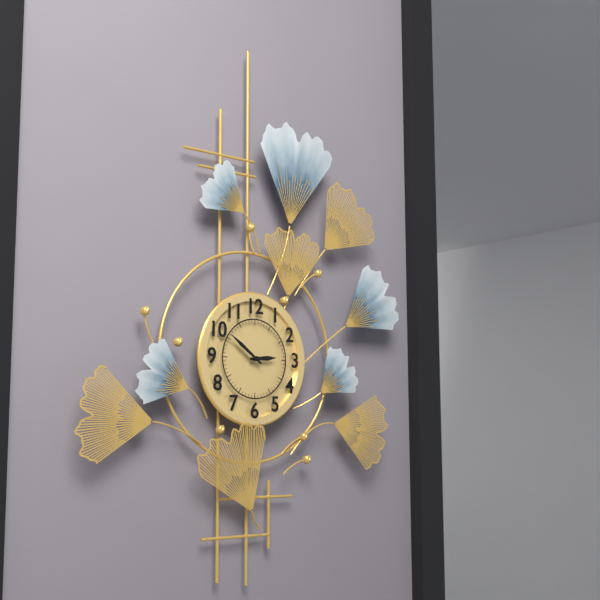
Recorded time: 2:51
